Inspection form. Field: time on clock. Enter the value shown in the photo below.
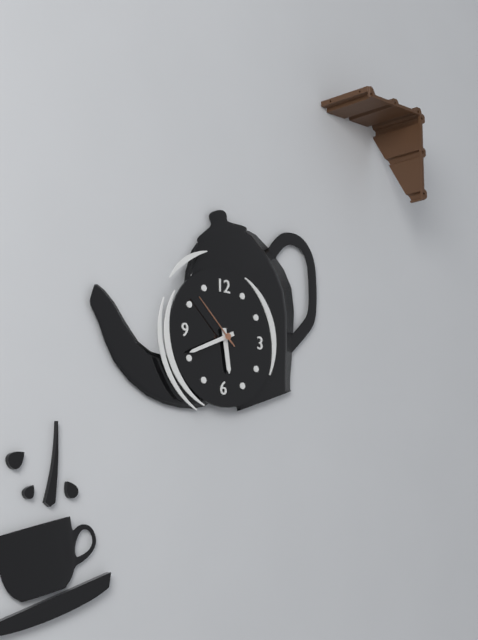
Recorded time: 5:41:52
